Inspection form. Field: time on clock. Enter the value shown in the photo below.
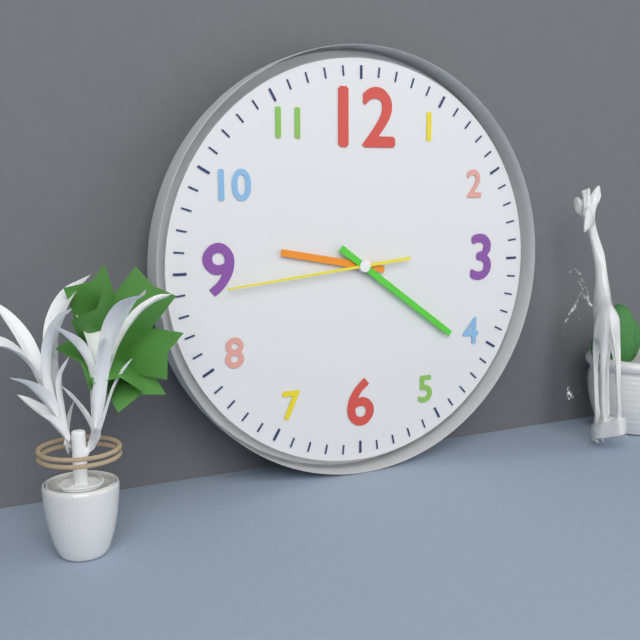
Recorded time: 9:21:44
